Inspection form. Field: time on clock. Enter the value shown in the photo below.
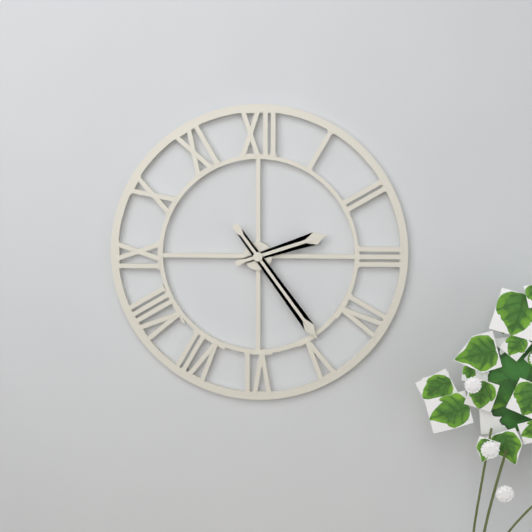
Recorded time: 2:24
